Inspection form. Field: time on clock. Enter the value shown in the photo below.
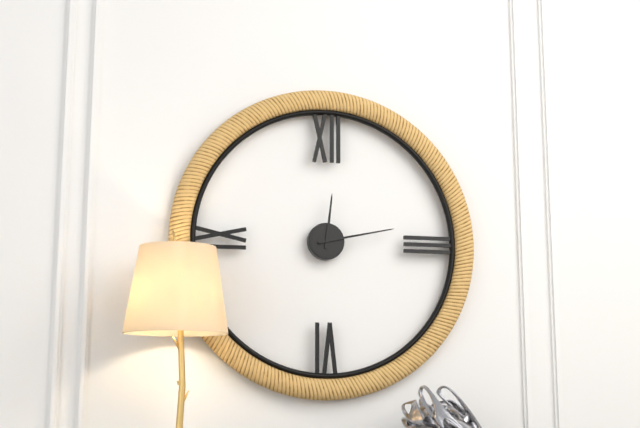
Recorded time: 12:13
